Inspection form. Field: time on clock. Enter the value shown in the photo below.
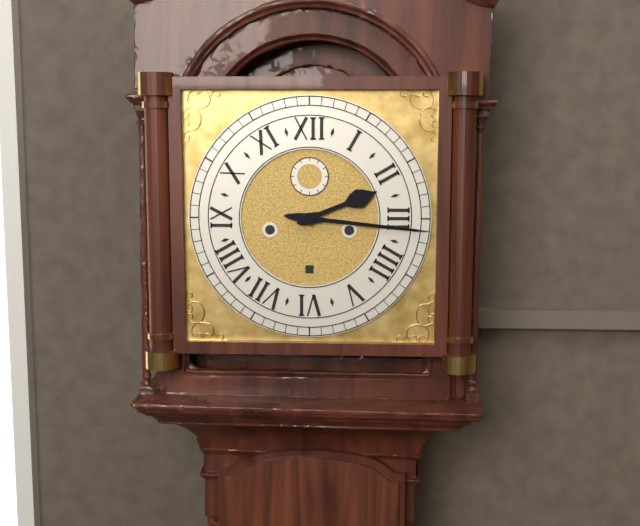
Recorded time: 2:16
